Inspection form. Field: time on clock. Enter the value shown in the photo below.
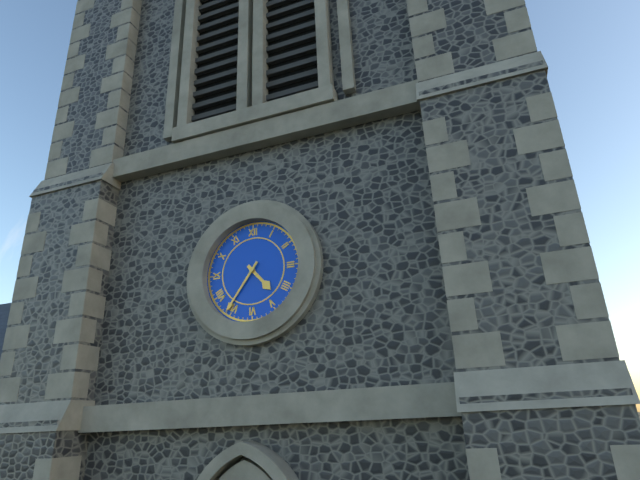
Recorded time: 4:36
